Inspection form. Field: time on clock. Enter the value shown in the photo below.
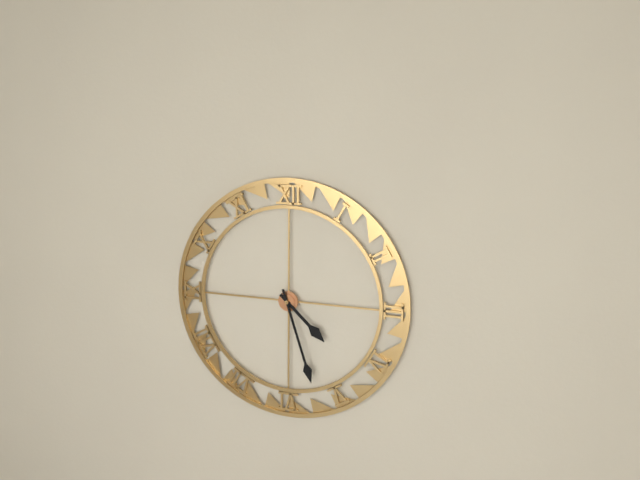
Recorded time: 4:27
